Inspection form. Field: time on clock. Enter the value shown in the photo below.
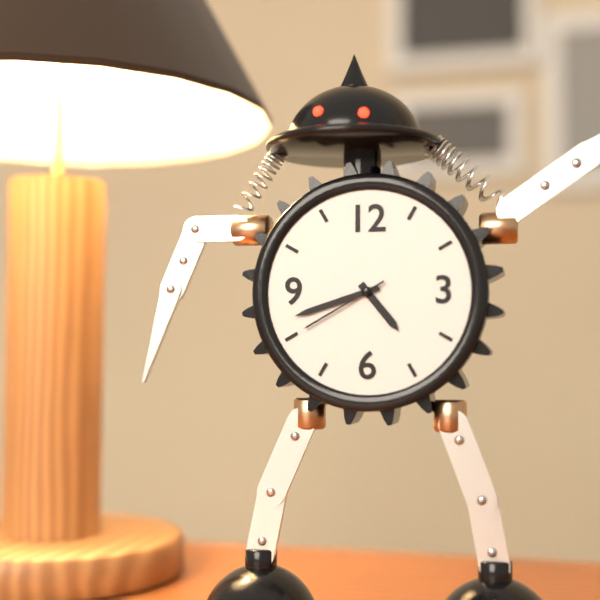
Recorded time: 4:42:40
